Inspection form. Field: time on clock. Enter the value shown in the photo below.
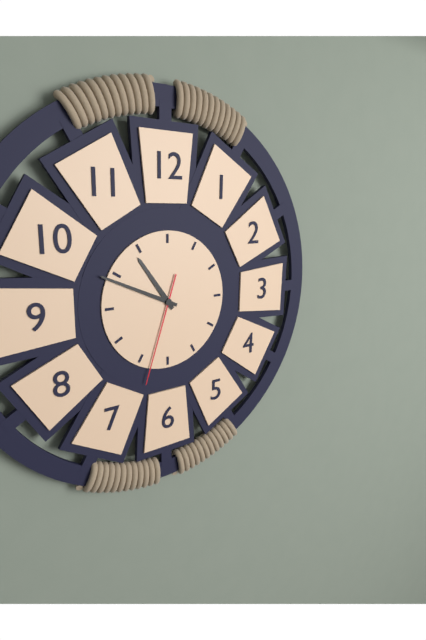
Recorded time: 10:49:33
